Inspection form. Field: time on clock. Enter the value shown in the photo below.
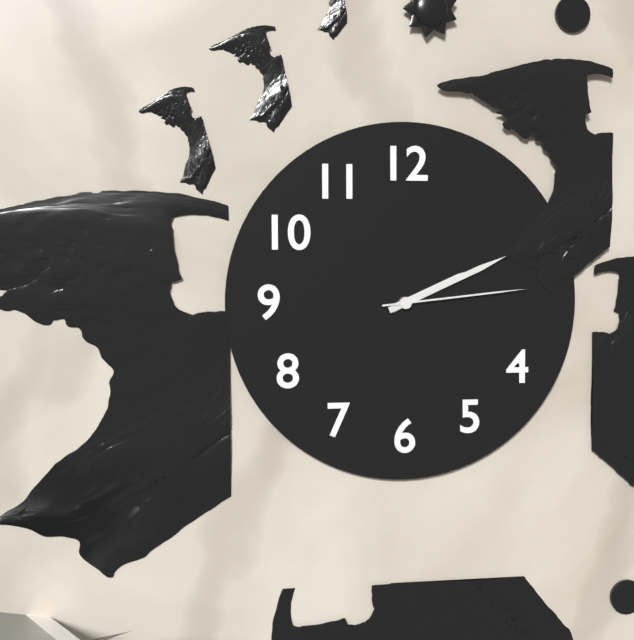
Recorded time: 2:11:14
